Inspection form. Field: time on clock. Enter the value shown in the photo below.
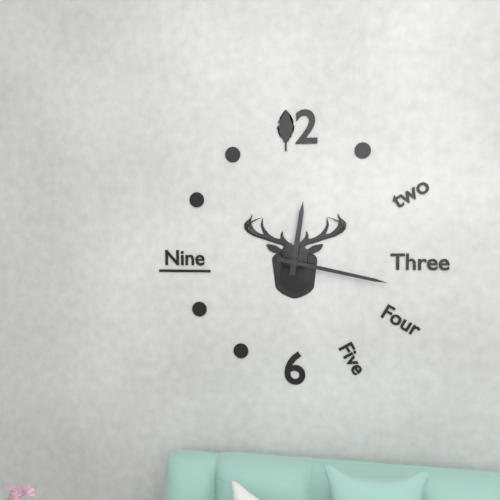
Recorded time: 12:17
